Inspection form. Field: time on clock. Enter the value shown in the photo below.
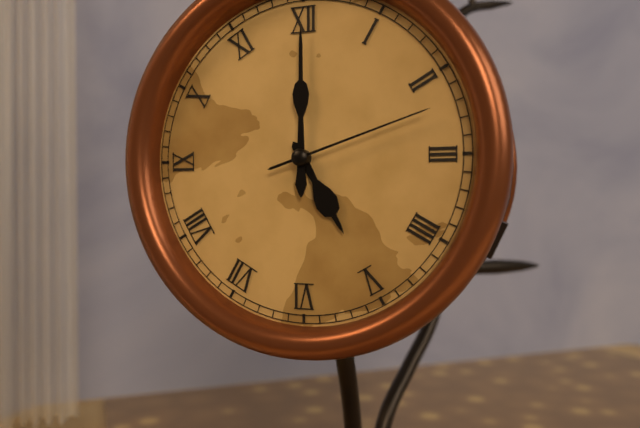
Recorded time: 5:00:12
